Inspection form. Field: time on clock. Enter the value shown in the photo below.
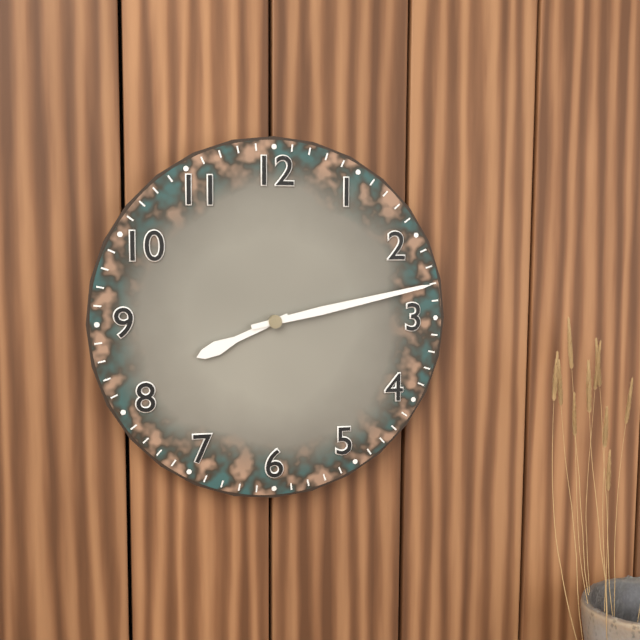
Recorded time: 8:13
